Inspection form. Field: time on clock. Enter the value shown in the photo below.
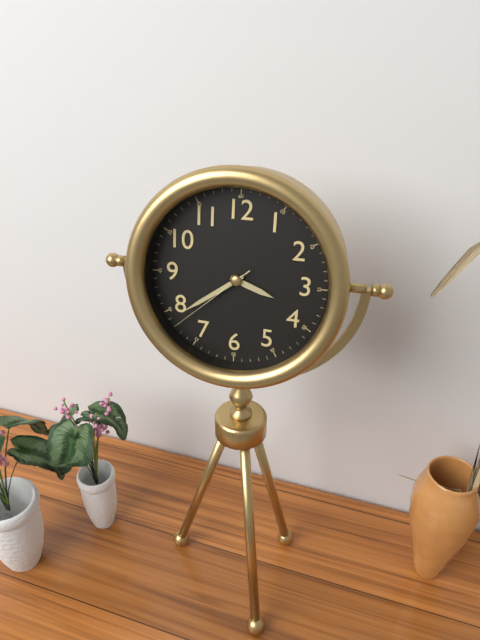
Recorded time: 3:39:38
